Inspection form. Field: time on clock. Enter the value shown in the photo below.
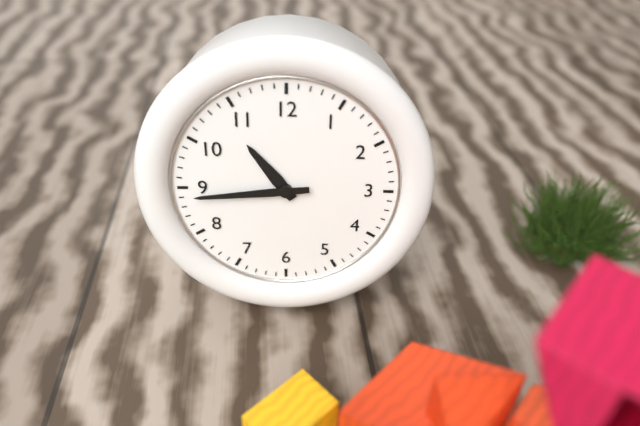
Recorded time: 10:44
